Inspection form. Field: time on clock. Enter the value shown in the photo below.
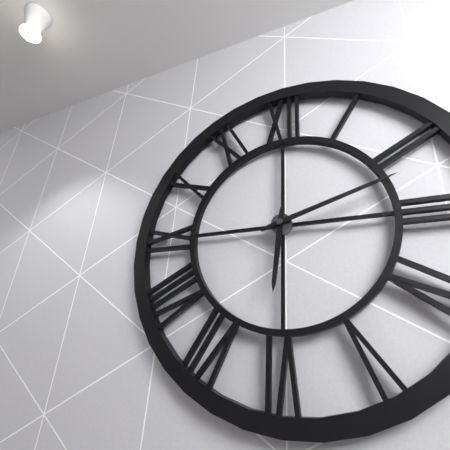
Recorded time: 6:12
